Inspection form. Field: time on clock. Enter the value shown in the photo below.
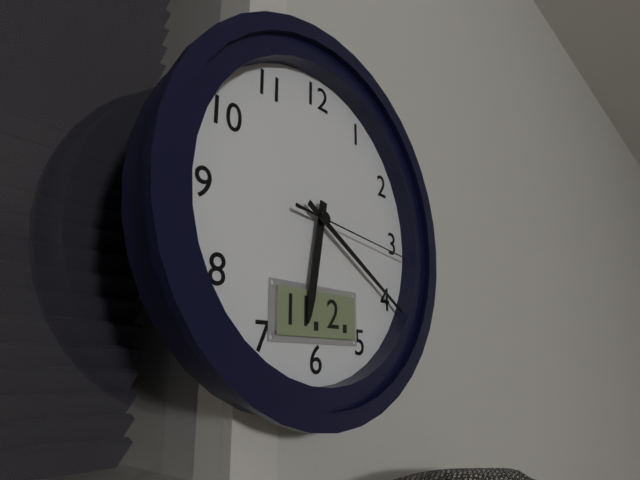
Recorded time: 6:20:16
